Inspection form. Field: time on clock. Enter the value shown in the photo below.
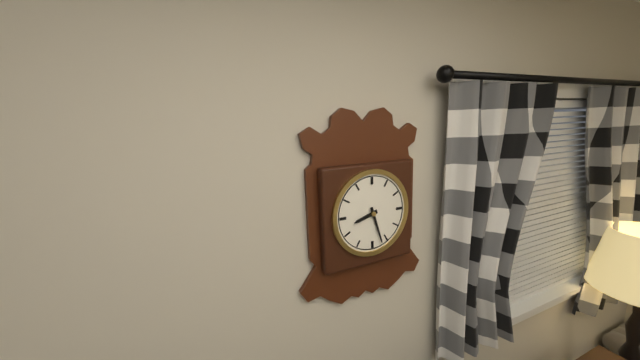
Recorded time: 8:27
